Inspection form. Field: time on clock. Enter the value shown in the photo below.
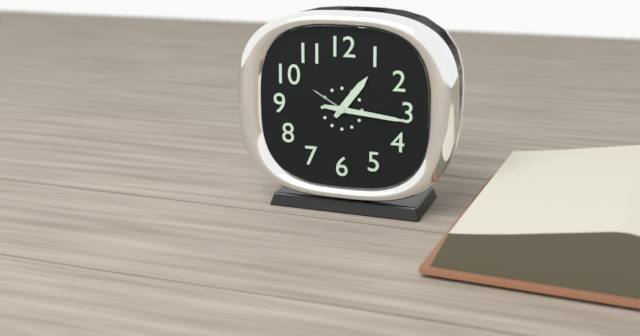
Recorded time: 1:16
